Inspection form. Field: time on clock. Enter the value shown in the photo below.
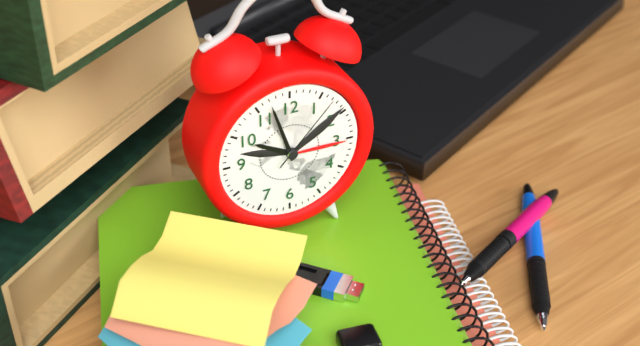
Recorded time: 9:57:07
